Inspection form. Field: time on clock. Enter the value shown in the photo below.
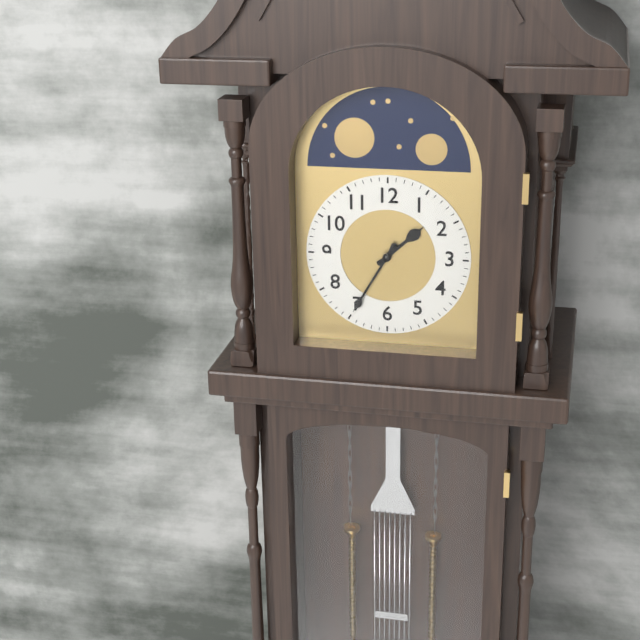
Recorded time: 1:35
